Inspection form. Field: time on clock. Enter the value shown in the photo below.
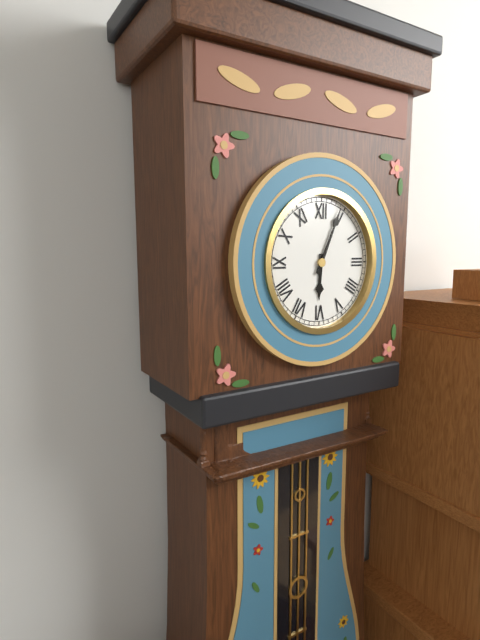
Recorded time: 6:04
